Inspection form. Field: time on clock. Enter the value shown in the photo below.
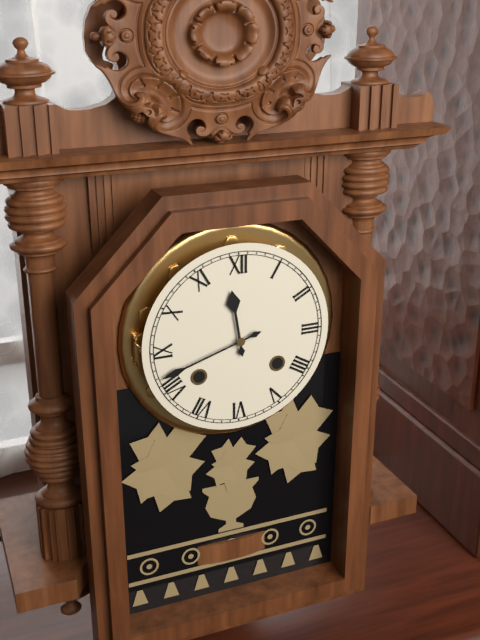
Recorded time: 11:42
